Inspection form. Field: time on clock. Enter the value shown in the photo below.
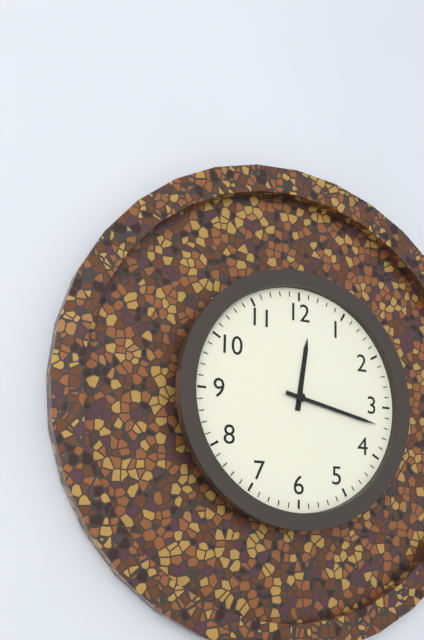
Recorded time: 12:17
